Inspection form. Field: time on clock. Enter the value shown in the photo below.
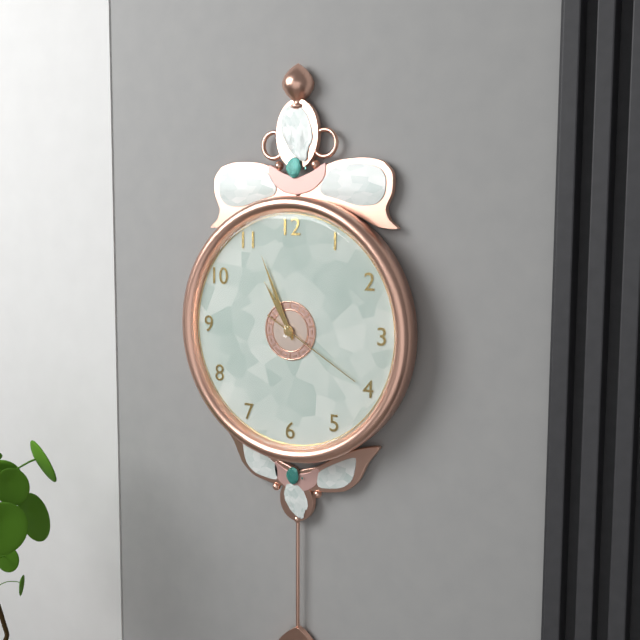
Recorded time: 10:56:20
